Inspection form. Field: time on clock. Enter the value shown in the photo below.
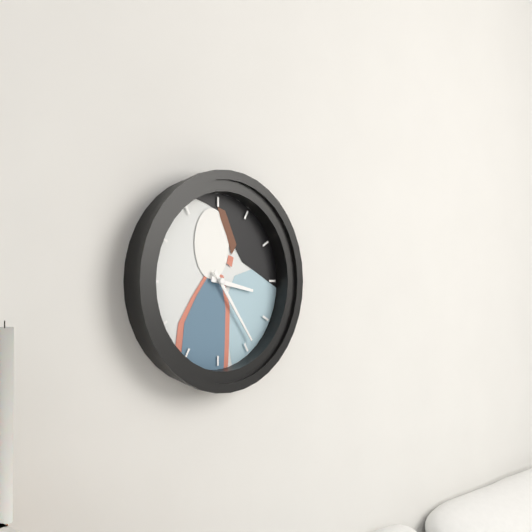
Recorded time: 3:24
